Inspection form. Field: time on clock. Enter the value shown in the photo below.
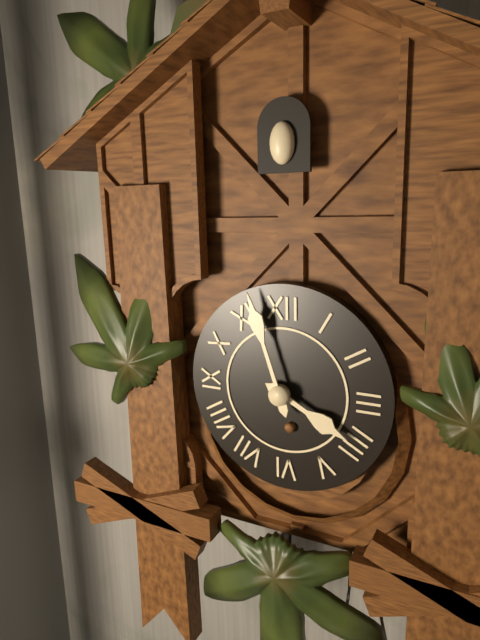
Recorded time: 3:57
